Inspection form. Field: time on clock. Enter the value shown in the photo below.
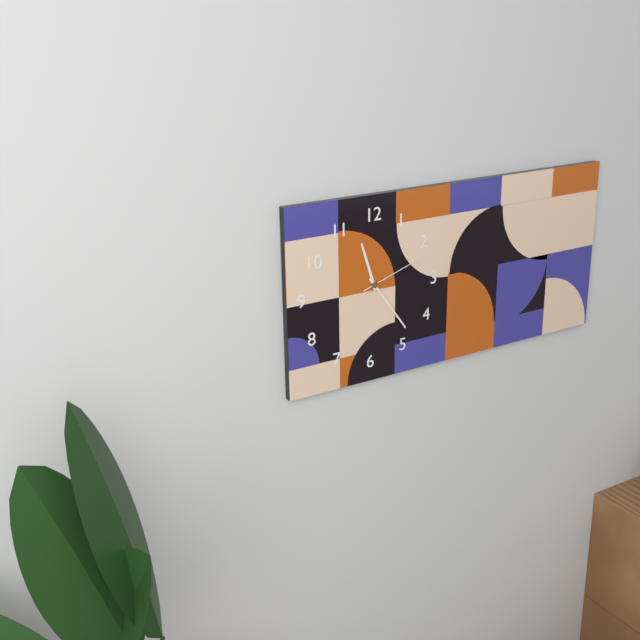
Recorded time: 11:24:12
